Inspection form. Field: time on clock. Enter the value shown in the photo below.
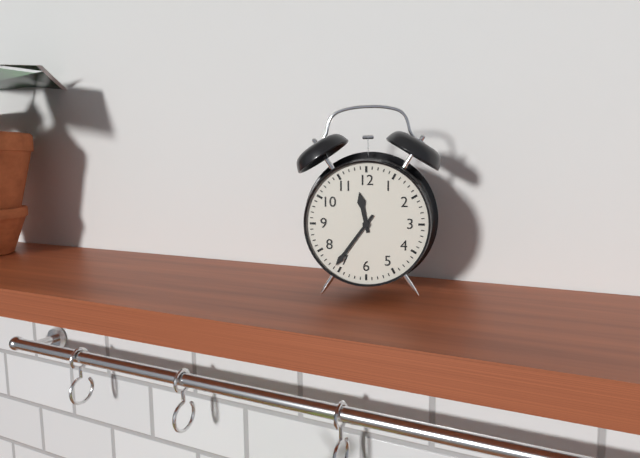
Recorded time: 11:36
